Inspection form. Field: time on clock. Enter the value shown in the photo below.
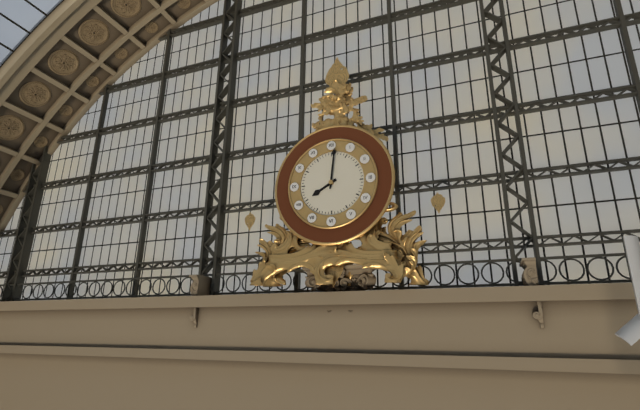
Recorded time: 8:01
